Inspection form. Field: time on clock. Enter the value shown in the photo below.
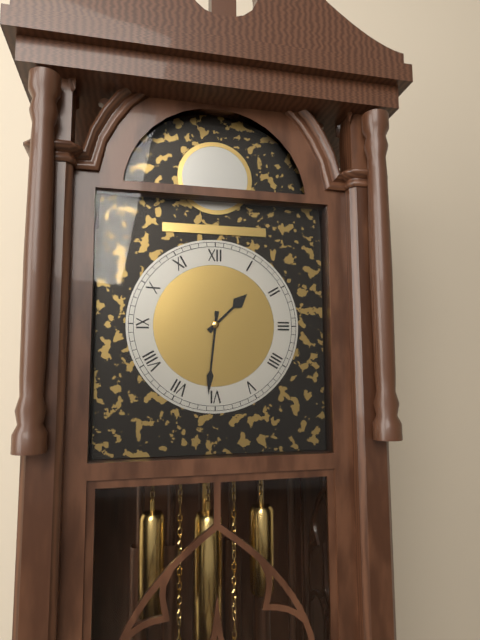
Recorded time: 1:31
